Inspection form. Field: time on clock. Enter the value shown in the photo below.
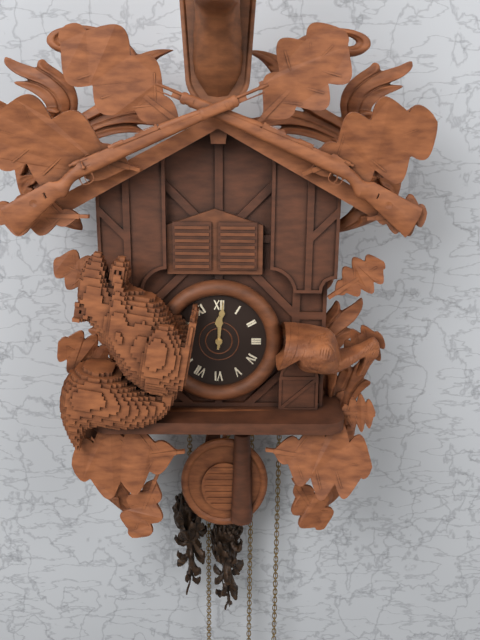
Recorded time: 12:01
